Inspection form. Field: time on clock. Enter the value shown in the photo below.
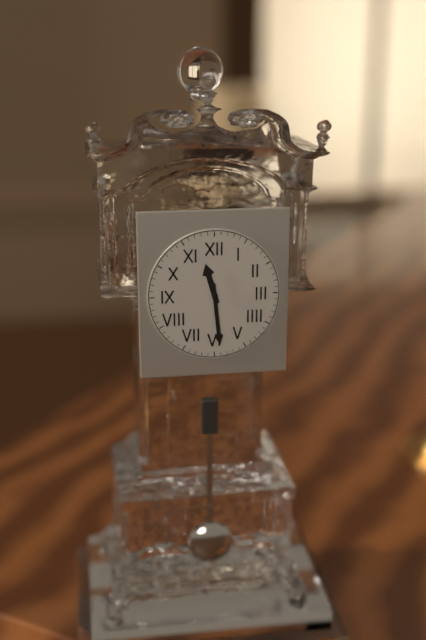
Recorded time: 11:29
